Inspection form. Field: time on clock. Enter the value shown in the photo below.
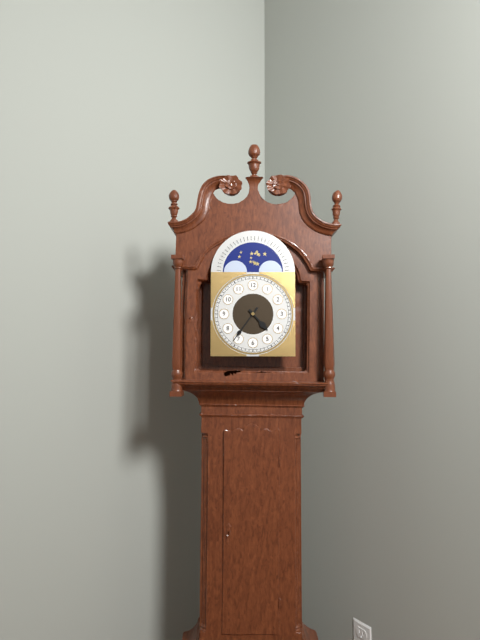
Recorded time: 4:36
